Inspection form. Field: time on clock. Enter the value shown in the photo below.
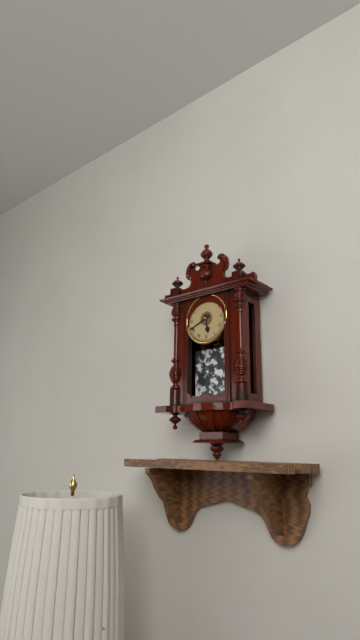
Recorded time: 5:41
